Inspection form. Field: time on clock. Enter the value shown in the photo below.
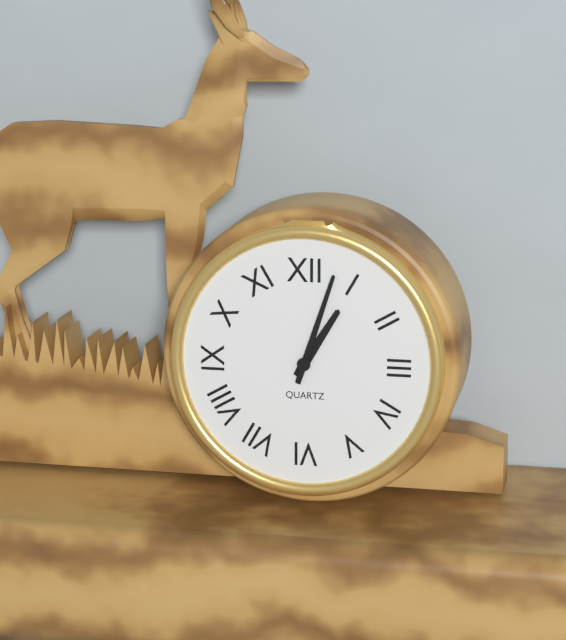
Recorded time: 1:03
